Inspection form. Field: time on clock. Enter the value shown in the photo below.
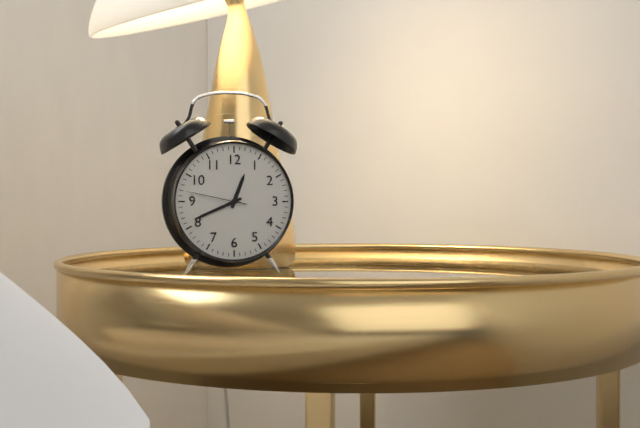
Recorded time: 12:41:47
